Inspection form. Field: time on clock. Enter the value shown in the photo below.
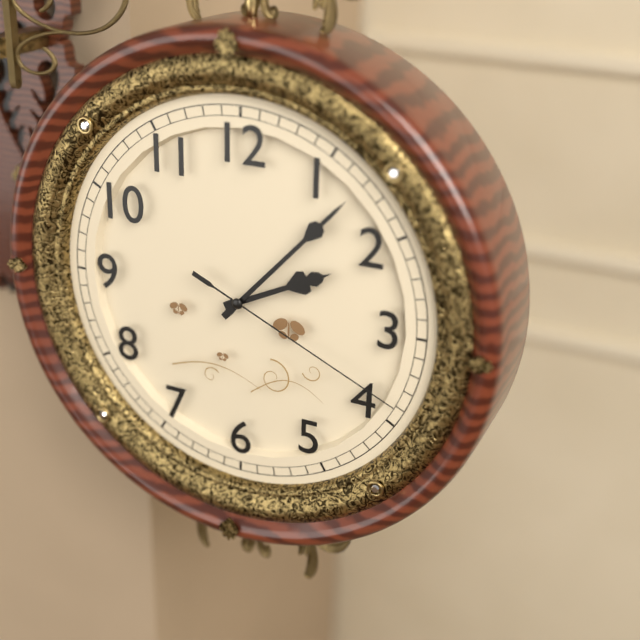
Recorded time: 2:07:19
